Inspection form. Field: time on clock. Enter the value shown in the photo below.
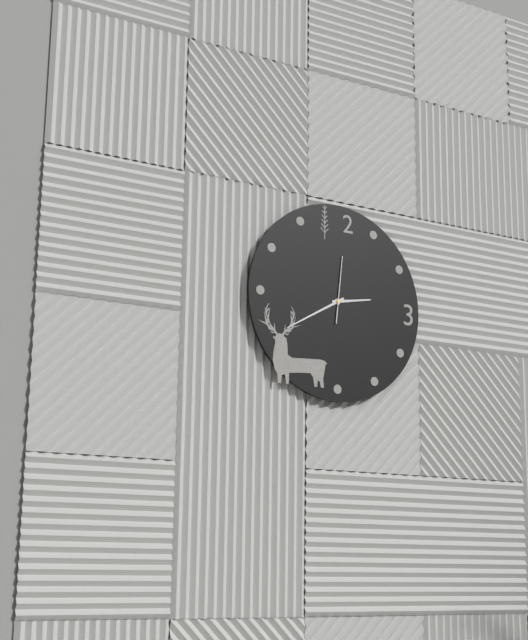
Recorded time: 2:40:01
